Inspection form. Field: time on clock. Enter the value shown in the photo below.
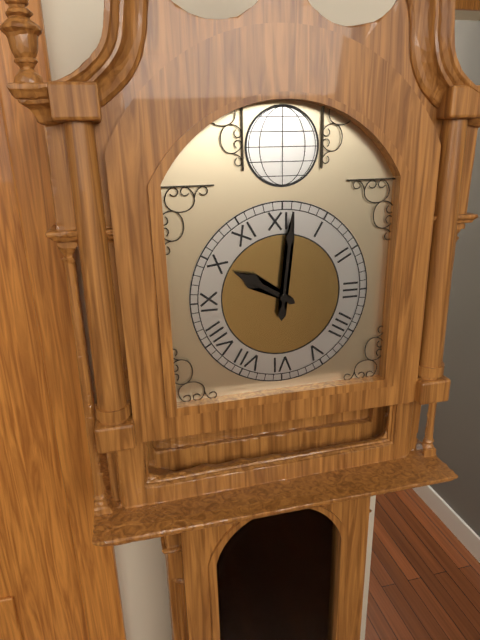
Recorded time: 10:01
